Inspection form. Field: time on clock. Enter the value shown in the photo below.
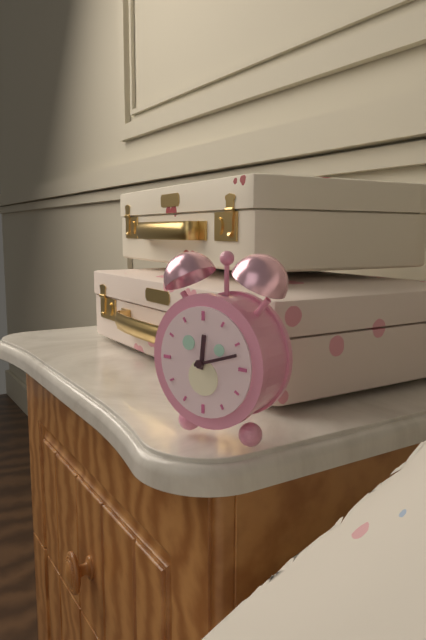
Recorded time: 12:12
